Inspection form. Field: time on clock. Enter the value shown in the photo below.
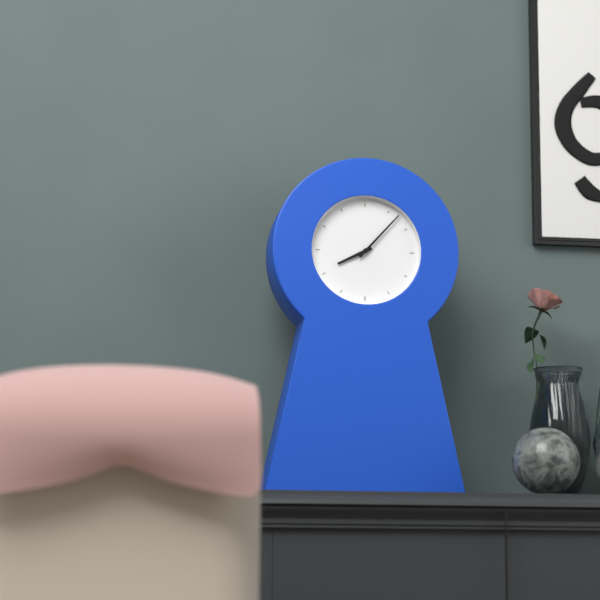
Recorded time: 8:07
